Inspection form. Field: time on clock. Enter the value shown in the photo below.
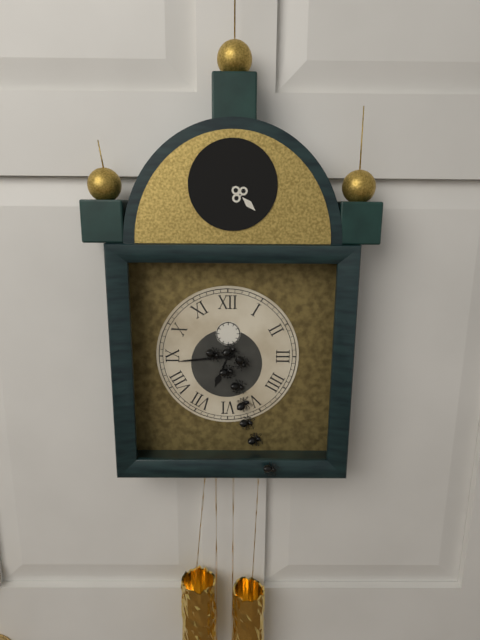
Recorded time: 6:44
